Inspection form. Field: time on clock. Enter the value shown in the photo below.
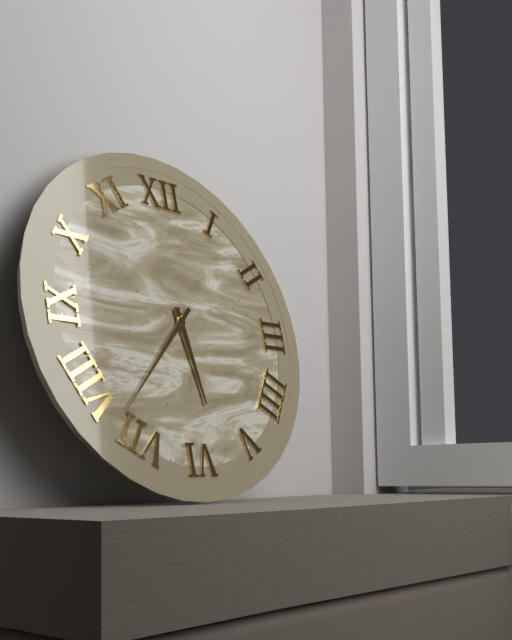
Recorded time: 5:37
